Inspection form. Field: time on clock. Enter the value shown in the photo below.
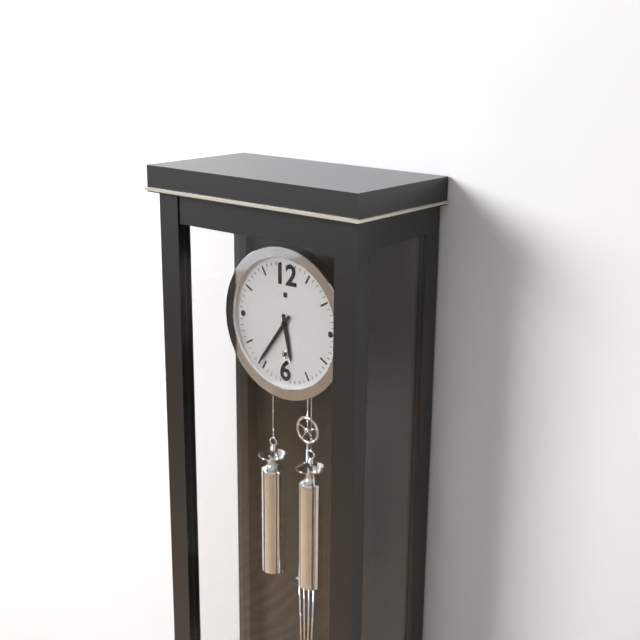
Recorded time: 5:36
